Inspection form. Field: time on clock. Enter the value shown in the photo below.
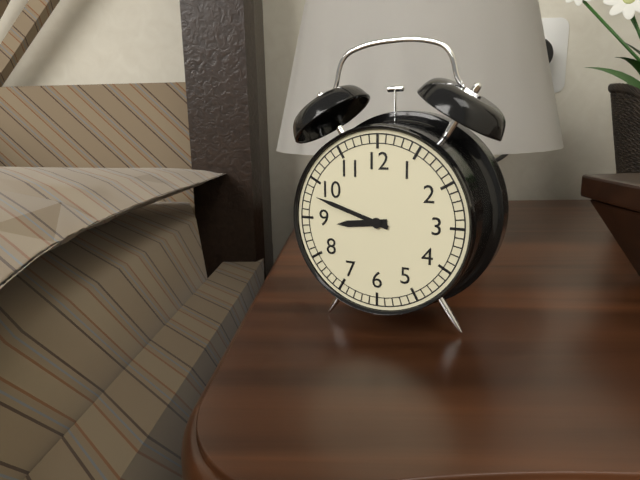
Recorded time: 8:48
